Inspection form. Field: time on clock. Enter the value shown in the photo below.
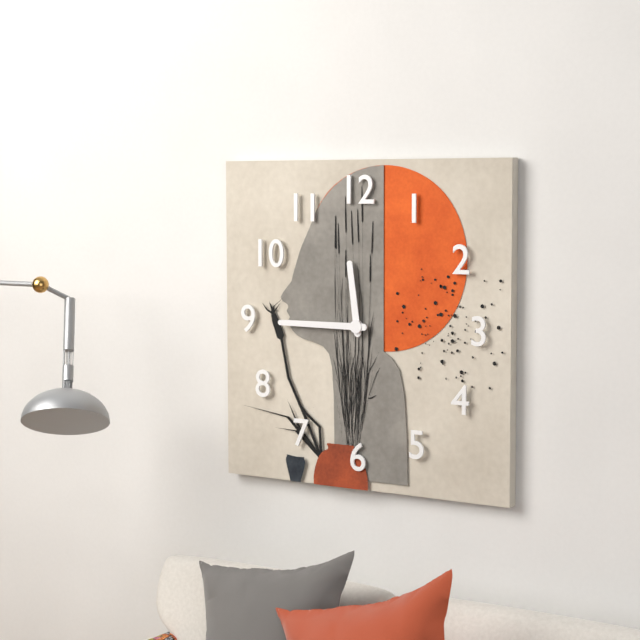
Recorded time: 11:45
